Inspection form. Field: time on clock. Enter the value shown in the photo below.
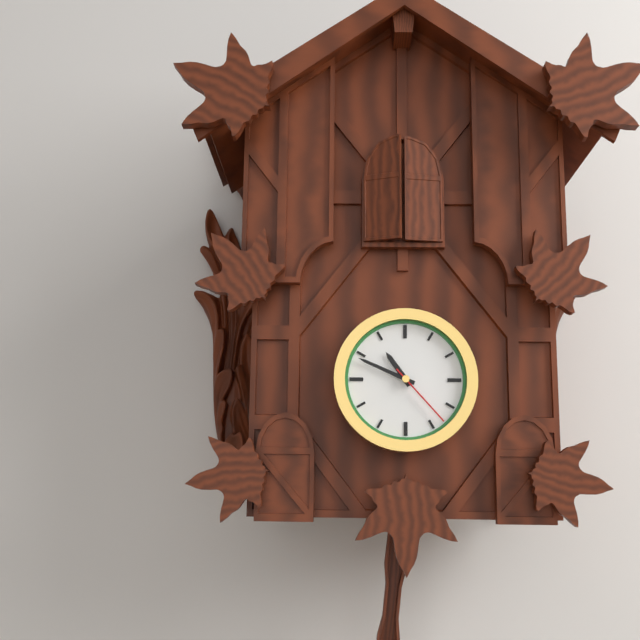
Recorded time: 10:49:23
